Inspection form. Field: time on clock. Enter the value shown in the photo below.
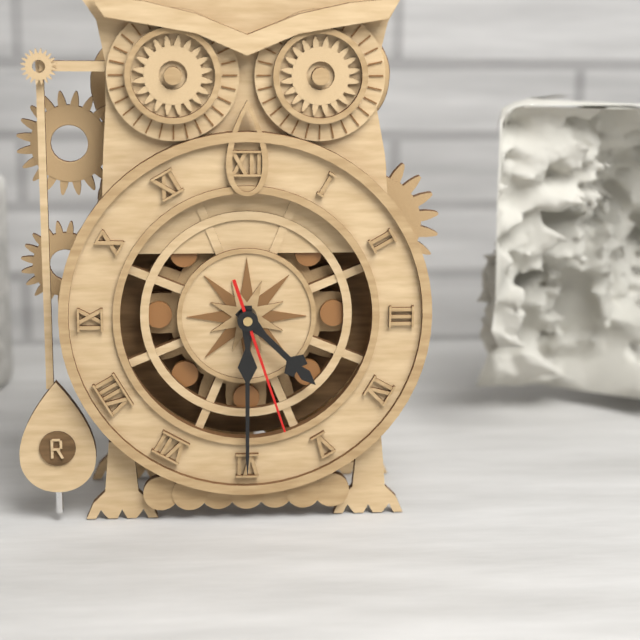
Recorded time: 4:30:27
